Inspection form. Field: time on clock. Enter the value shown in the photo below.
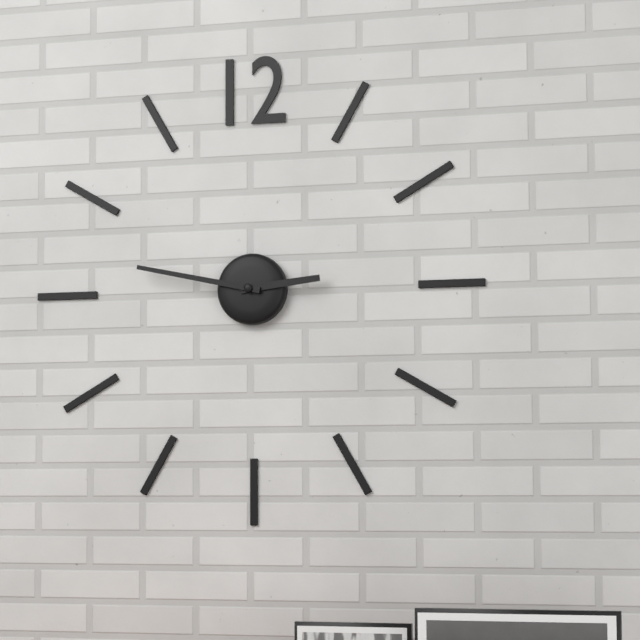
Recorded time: 2:47
